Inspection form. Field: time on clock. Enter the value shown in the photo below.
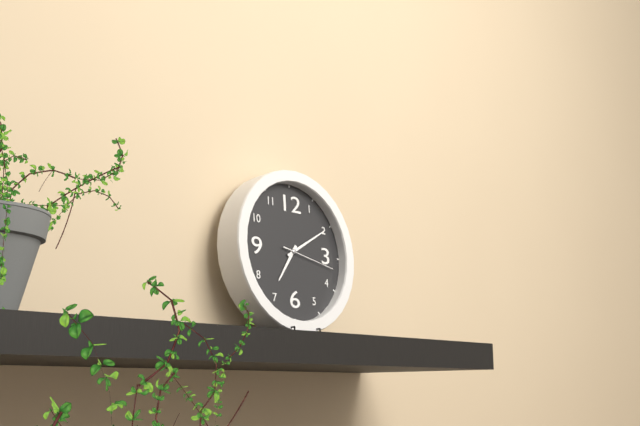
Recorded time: 7:10:17
